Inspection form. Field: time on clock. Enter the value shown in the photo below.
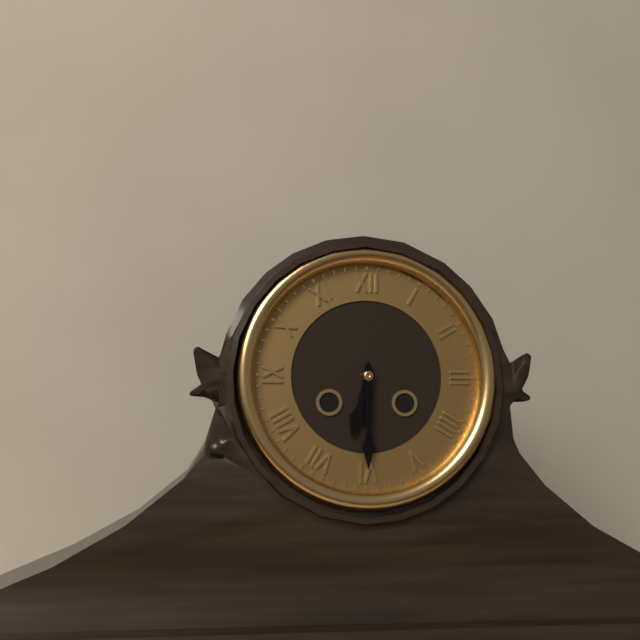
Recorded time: 6:30
